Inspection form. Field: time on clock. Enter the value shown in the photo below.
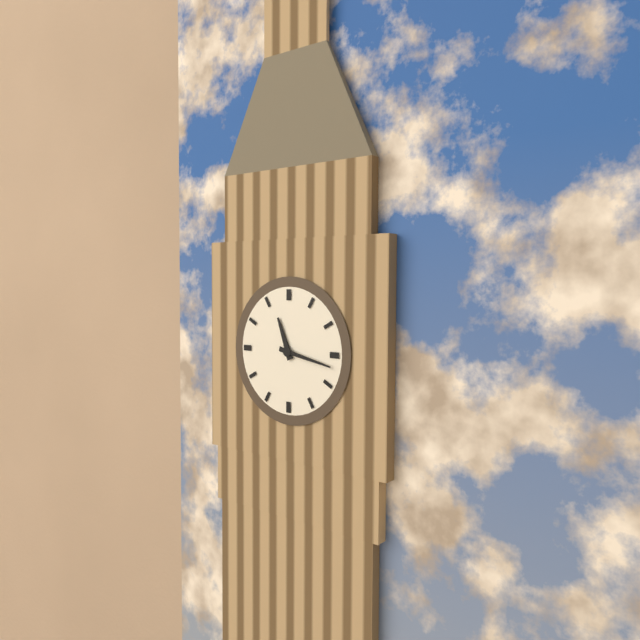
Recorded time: 11:17
